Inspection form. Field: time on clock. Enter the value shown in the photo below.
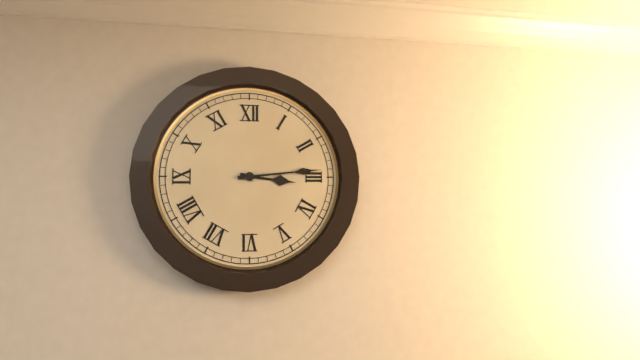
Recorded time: 3:14
